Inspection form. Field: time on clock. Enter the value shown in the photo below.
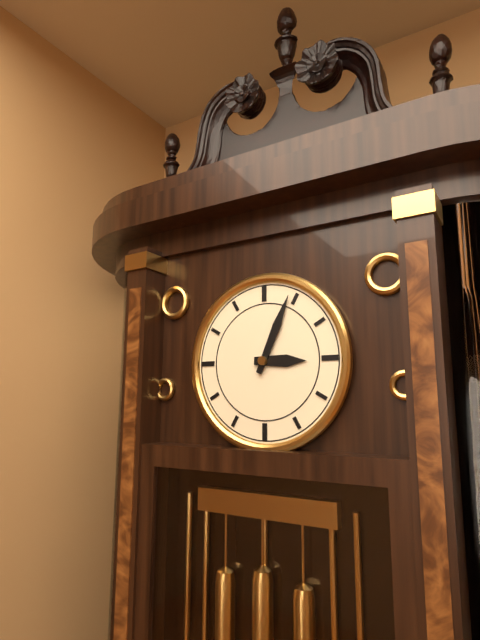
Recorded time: 3:04
